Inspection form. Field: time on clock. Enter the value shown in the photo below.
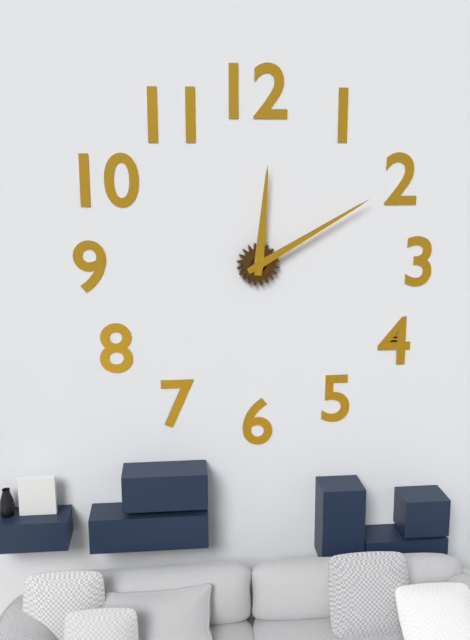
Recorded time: 12:10
